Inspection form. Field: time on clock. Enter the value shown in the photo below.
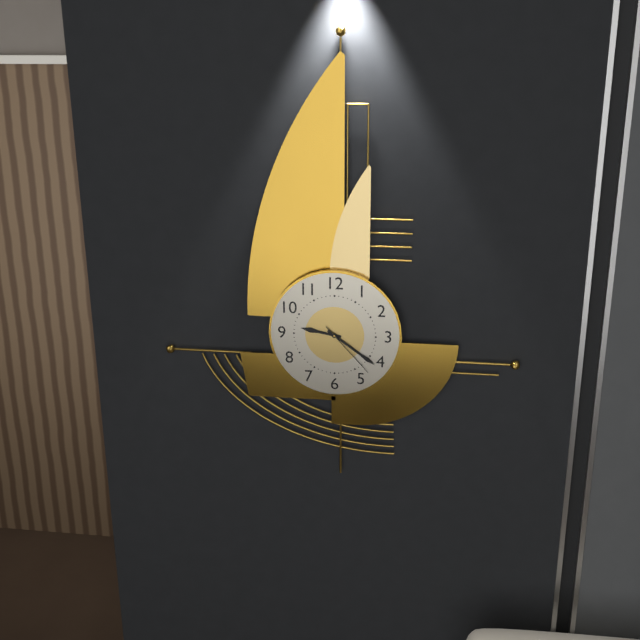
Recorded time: 9:21:23
